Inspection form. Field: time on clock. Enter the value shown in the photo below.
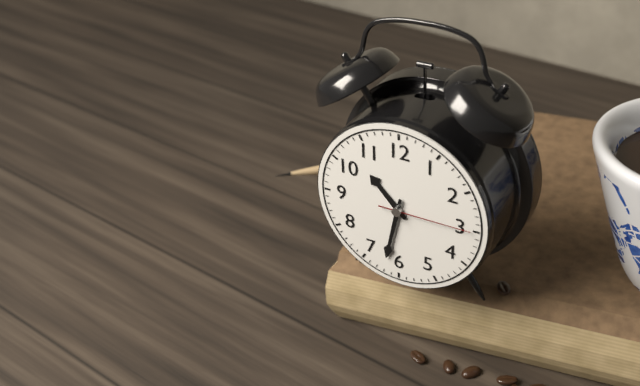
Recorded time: 10:32:15
